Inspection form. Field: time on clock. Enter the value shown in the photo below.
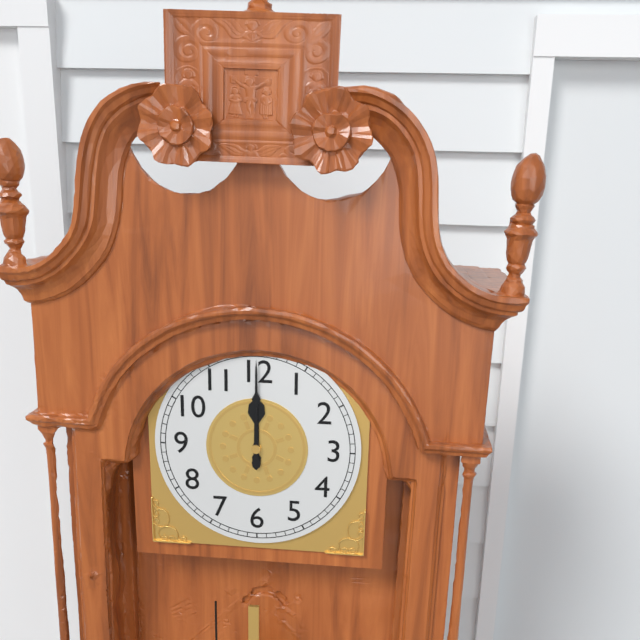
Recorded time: 12:00
